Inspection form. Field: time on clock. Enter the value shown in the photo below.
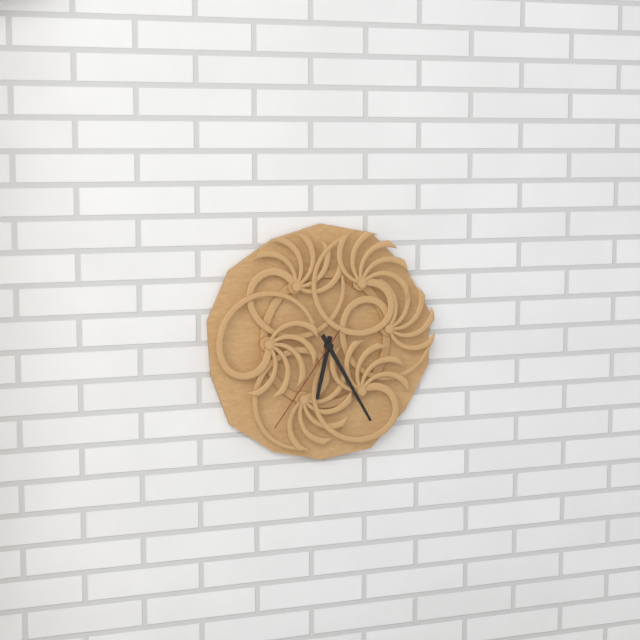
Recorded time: 6:25:36
